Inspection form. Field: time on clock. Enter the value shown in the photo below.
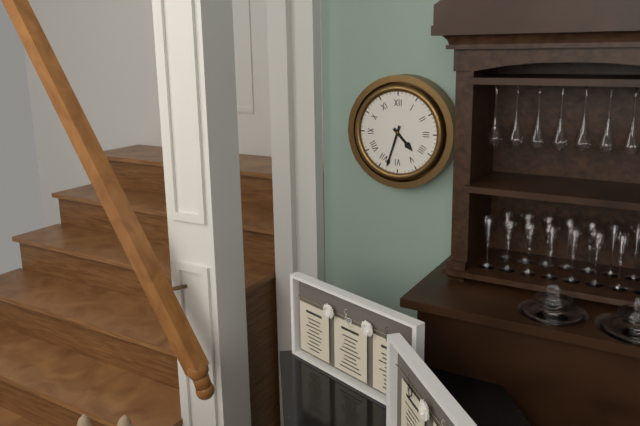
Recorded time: 4:33
